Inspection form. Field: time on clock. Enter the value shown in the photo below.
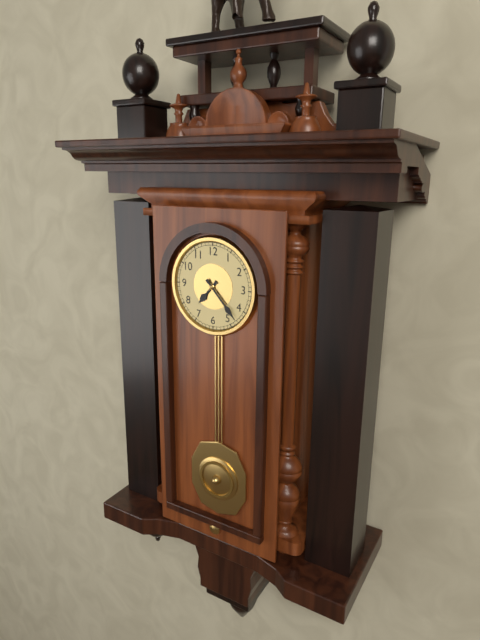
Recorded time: 7:23
